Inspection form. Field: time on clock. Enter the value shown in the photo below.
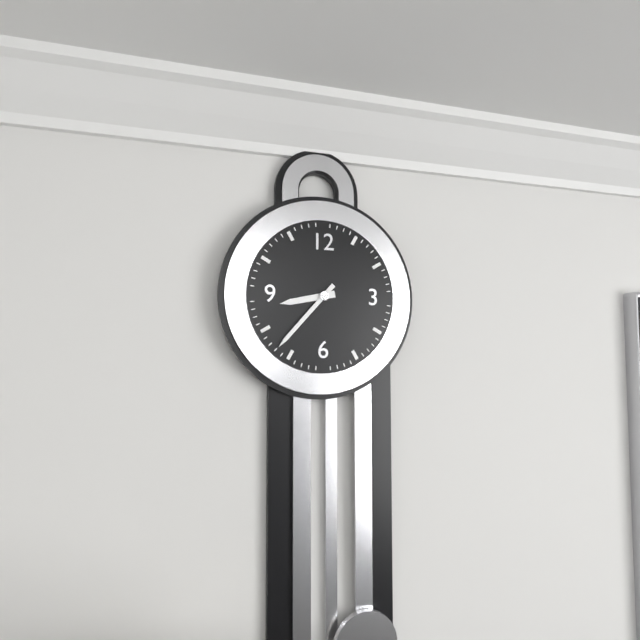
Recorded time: 8:37
